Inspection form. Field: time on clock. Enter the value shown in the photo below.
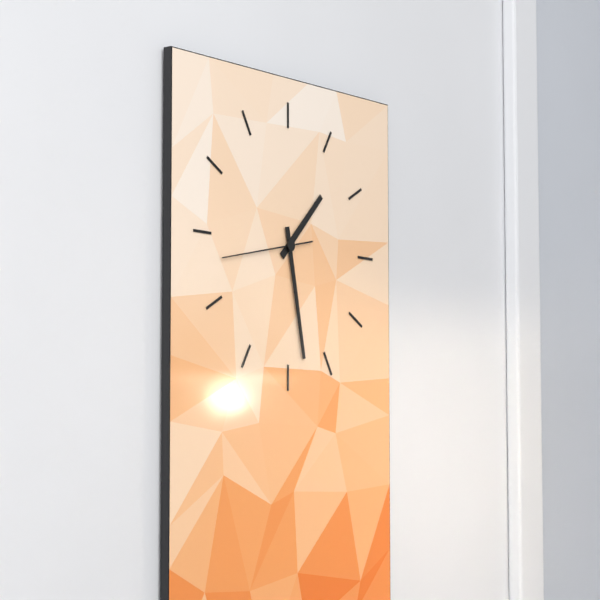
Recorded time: 1:28:43
